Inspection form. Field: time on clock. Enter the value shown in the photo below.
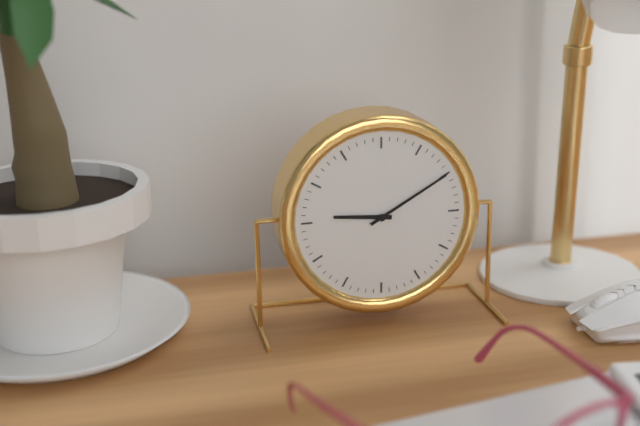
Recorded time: 9:10
